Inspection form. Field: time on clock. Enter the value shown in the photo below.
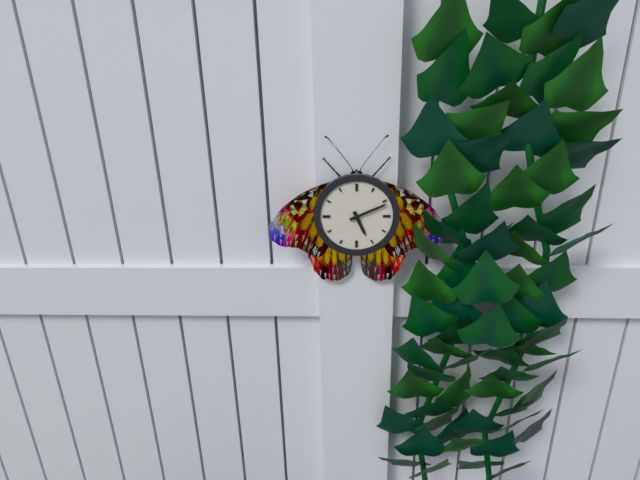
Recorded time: 5:11
